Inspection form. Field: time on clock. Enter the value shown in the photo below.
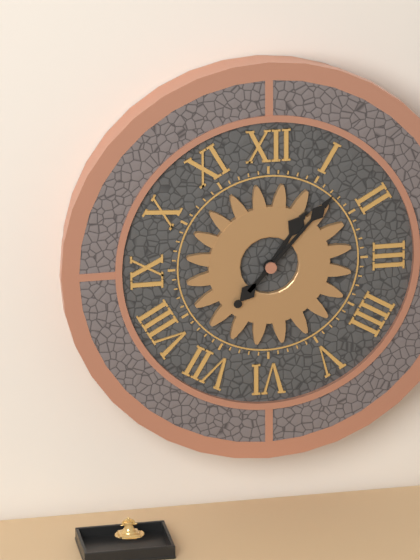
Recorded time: 1:07
